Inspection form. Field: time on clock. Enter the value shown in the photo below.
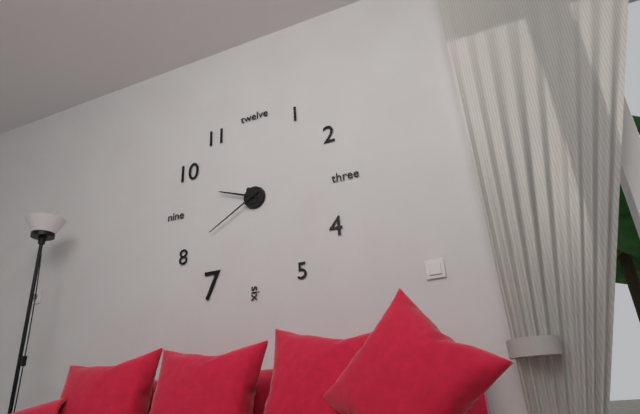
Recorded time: 9:40
